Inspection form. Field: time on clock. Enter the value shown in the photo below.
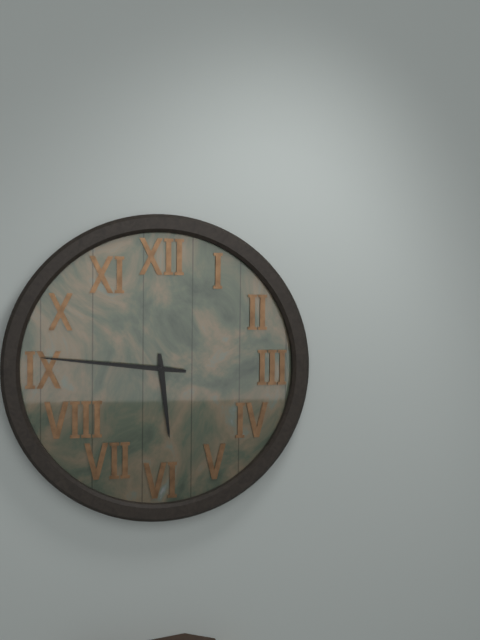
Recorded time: 5:46
